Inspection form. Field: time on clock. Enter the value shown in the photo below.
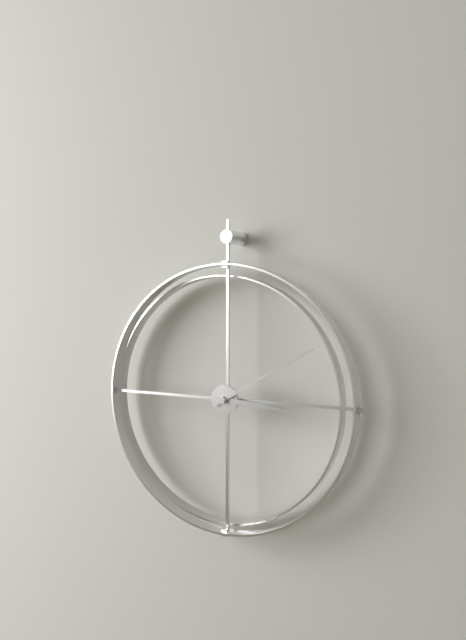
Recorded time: 3:10
